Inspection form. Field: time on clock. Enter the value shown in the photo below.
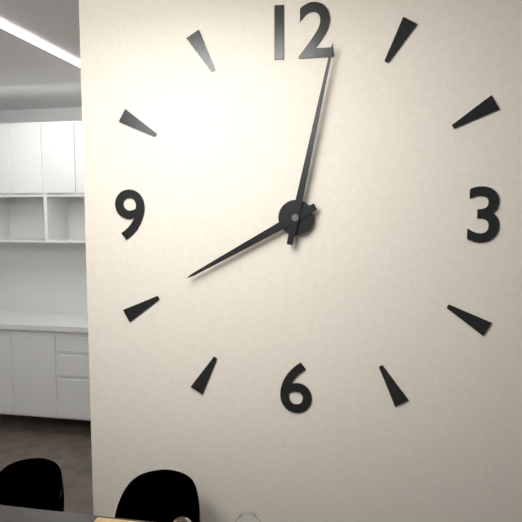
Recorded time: 8:02
